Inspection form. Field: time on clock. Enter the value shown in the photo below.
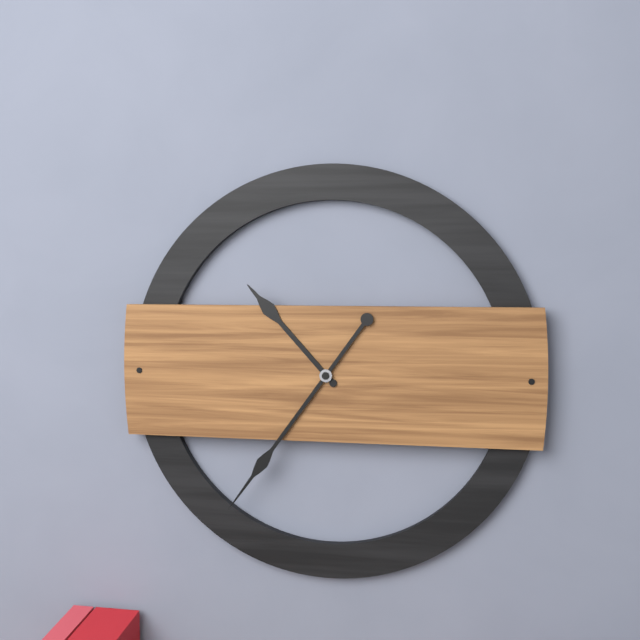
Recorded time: 10:36
